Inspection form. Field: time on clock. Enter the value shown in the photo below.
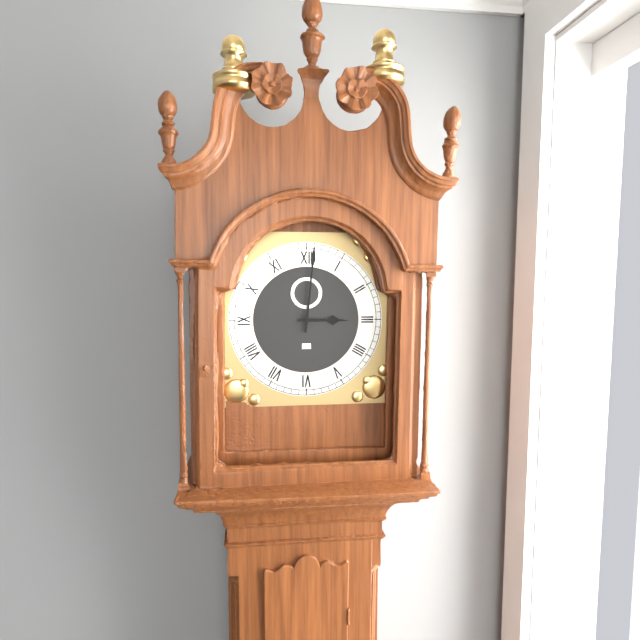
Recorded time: 3:01
